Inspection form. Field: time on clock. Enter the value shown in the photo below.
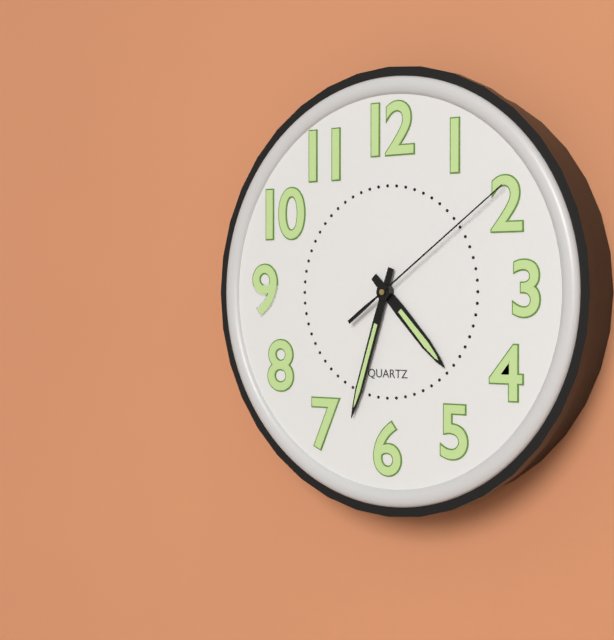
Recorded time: 4:33:09
